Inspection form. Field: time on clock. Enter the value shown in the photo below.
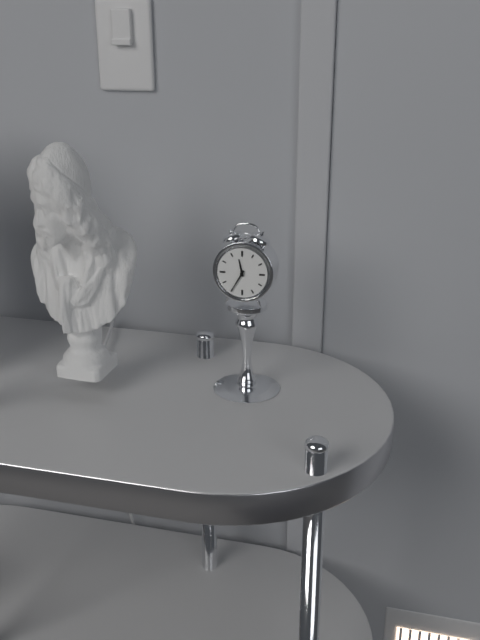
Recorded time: 11:35
